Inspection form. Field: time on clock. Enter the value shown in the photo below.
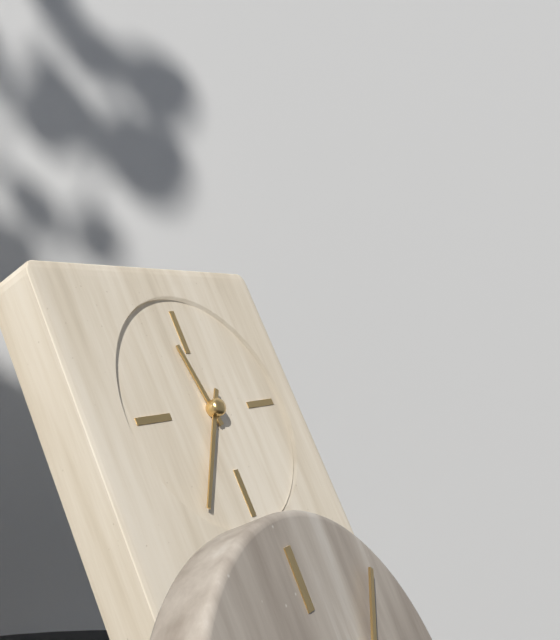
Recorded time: 11:36
